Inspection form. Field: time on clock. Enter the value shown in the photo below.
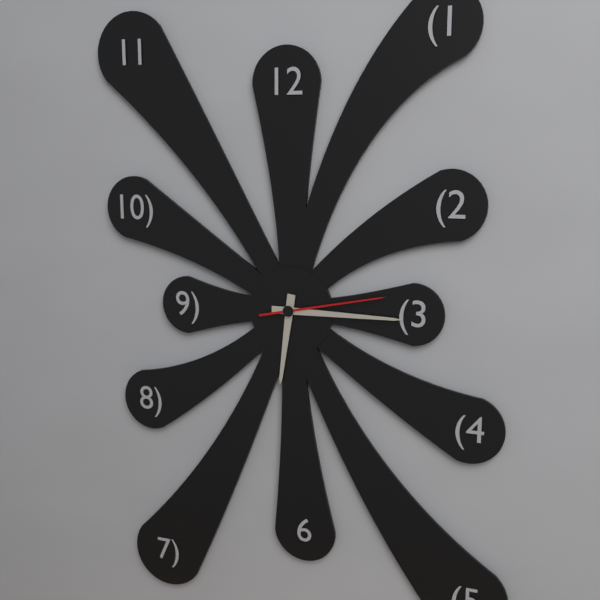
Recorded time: 6:15:13
